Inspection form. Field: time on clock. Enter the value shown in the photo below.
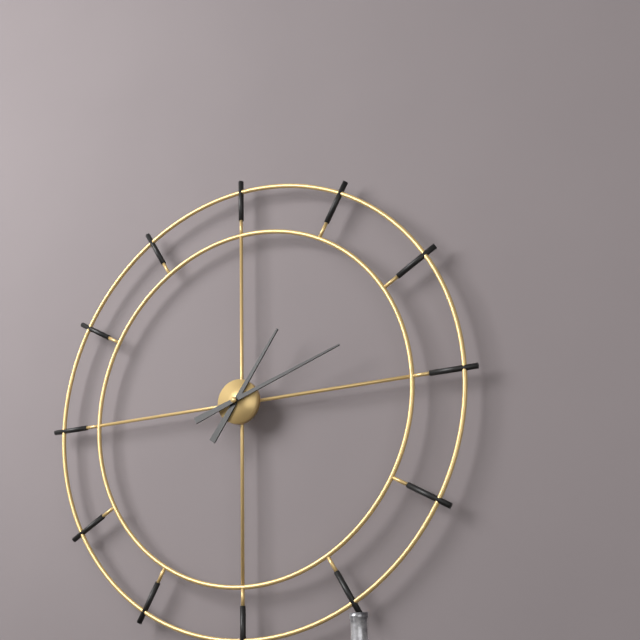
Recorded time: 1:12
